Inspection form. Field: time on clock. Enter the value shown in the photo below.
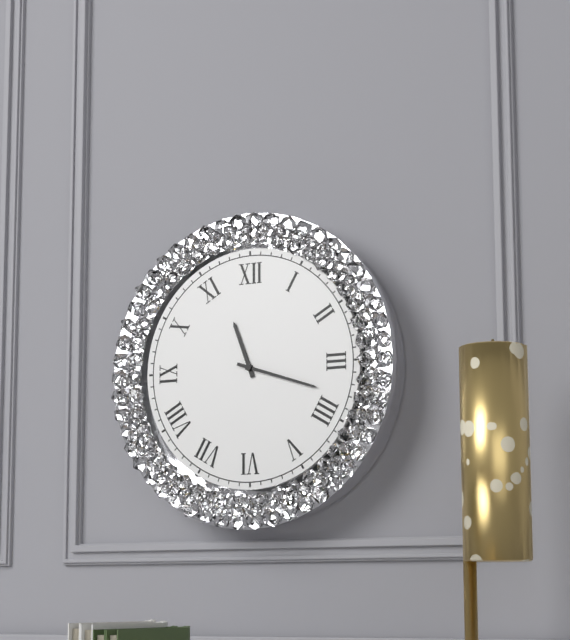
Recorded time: 11:18
